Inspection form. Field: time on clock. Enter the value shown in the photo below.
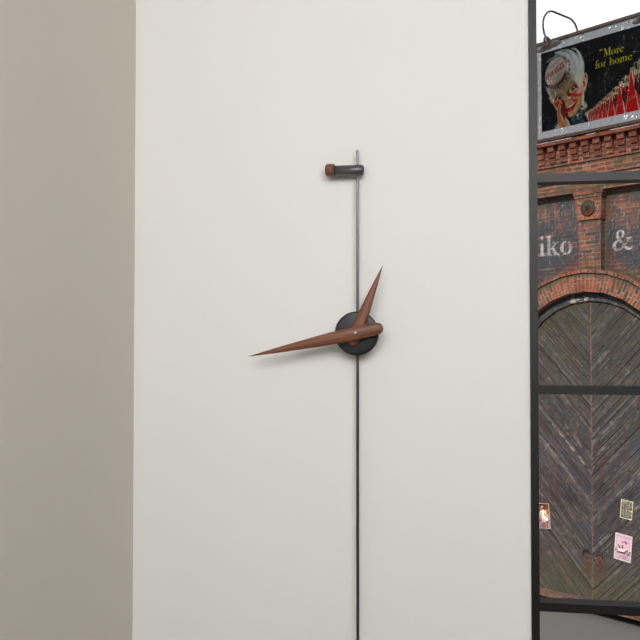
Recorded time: 12:43
